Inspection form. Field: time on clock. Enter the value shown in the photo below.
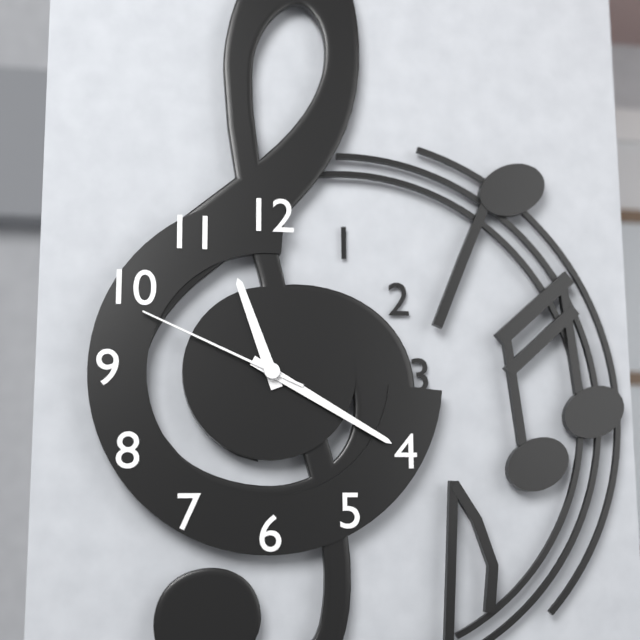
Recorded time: 11:20:49
